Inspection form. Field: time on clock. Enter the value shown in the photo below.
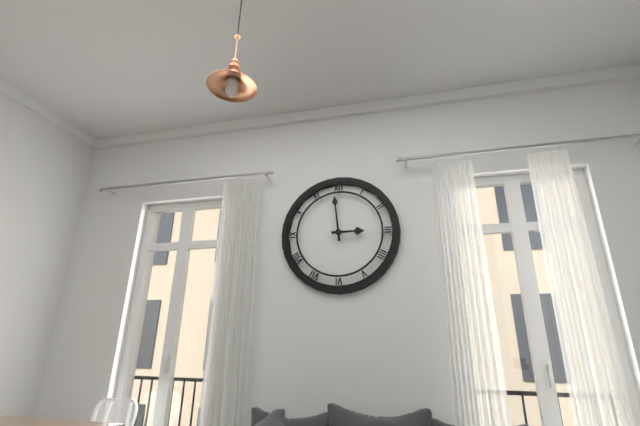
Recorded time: 2:59
